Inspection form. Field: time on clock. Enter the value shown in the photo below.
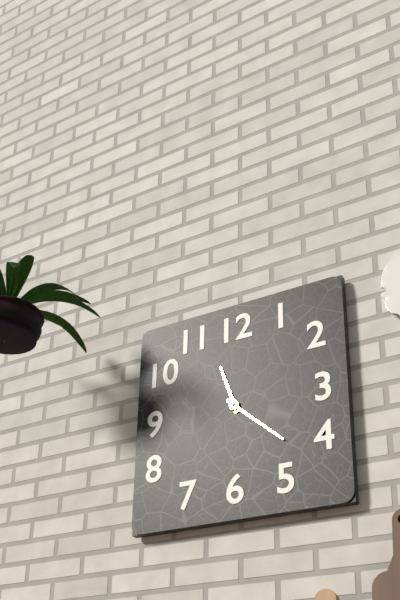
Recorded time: 11:22
